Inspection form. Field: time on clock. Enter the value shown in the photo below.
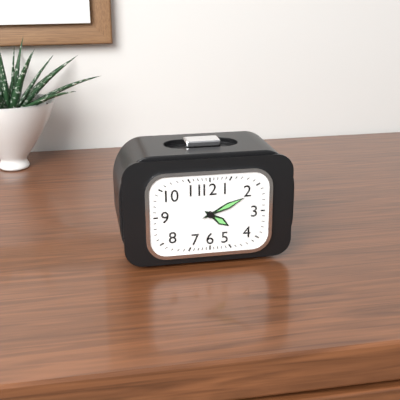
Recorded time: 4:11
